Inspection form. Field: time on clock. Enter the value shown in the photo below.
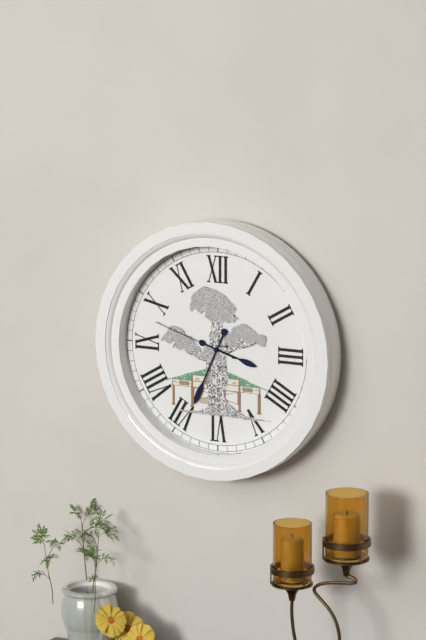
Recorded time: 3:34:48
